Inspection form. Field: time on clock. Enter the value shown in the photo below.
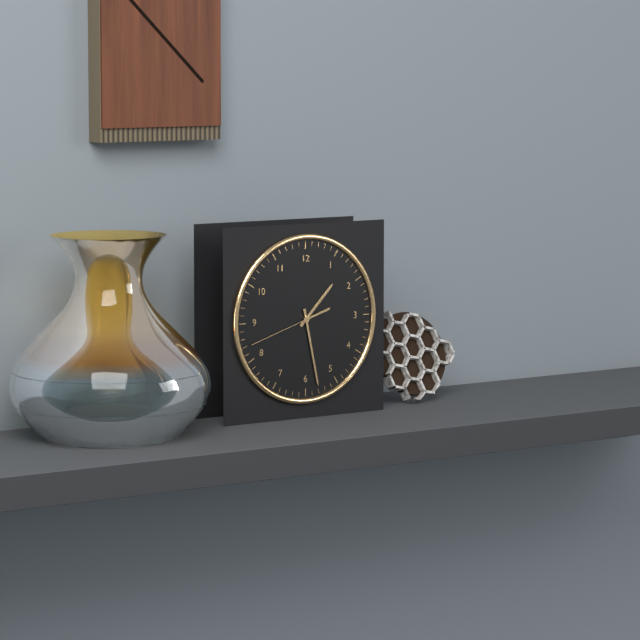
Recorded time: 1:28:42
